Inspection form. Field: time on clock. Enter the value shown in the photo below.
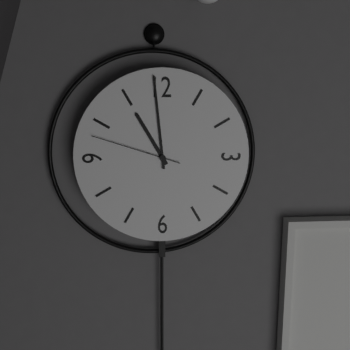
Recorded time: 10:59:48
